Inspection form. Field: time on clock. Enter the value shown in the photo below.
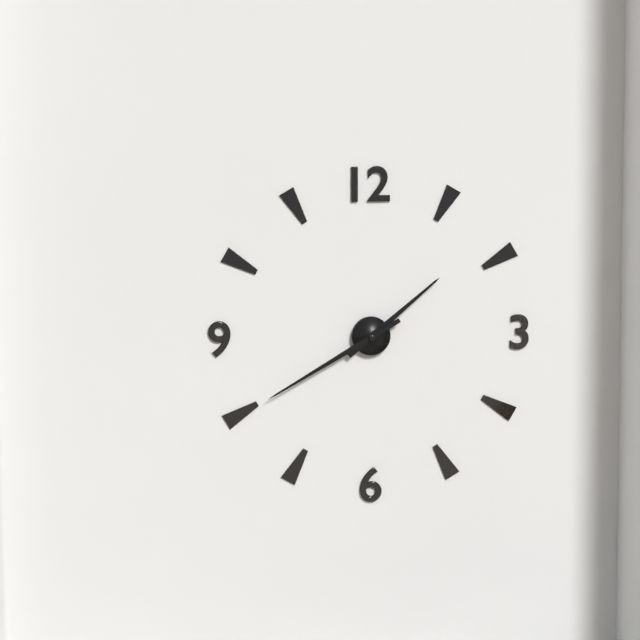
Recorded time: 1:40
